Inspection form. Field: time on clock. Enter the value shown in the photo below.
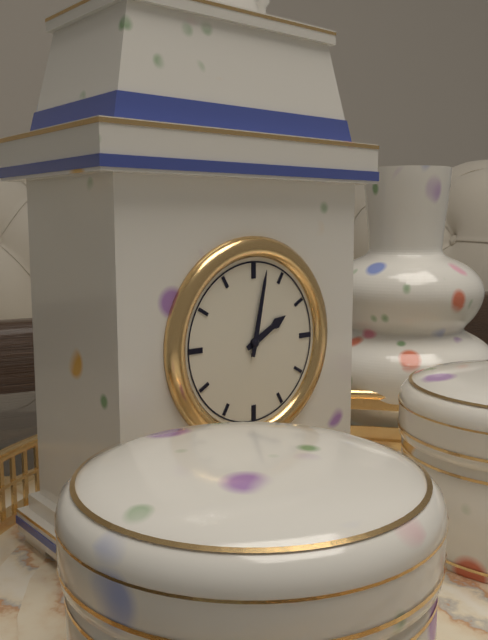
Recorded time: 2:02
